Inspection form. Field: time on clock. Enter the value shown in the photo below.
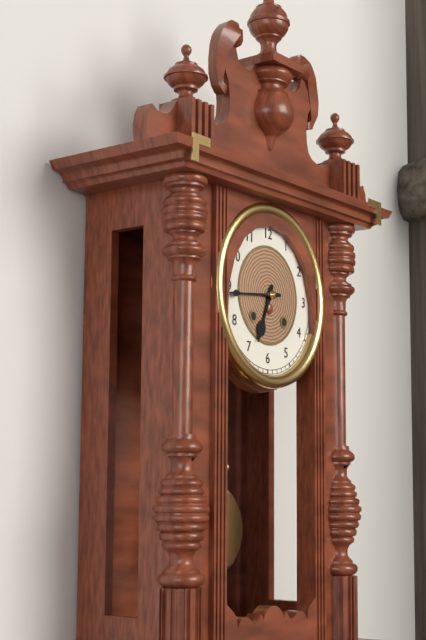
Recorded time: 6:44
